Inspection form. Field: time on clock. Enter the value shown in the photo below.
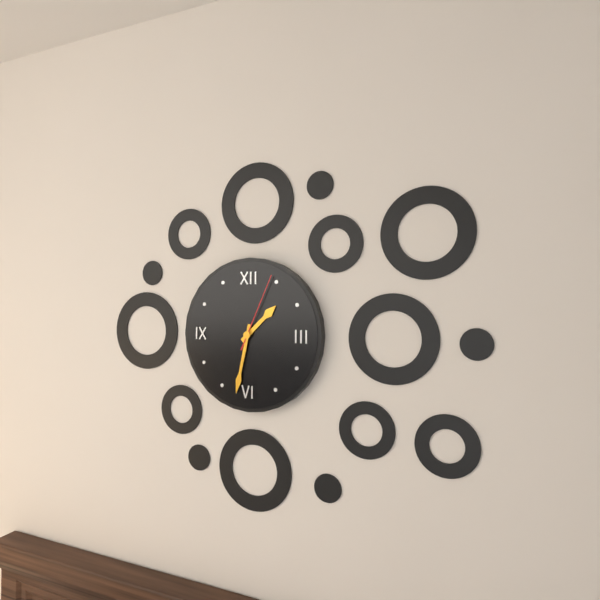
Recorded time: 1:32:04
